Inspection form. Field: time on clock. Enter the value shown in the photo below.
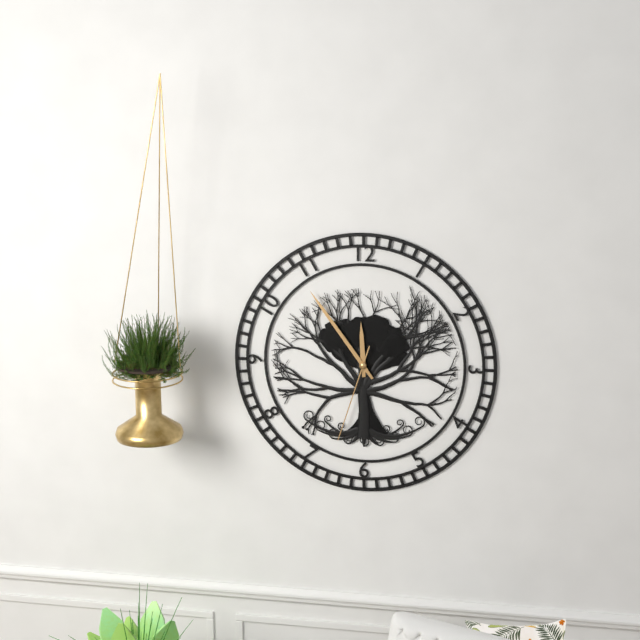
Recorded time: 11:54:33
